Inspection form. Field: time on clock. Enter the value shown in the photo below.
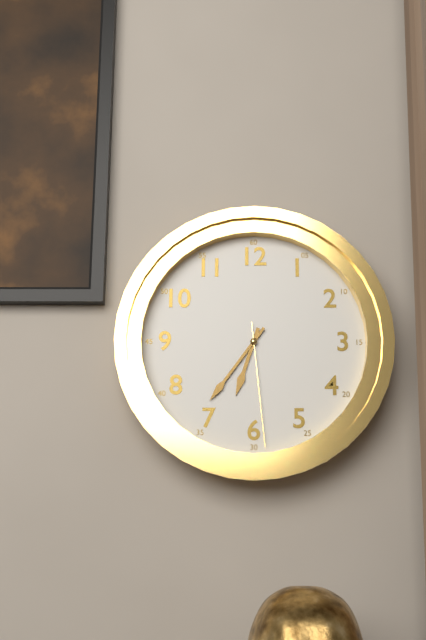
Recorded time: 6:36:29
